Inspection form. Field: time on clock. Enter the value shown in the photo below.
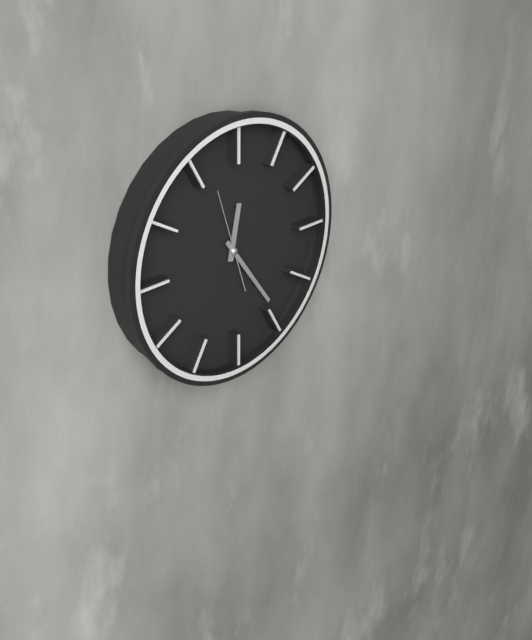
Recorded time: 12:24:57
